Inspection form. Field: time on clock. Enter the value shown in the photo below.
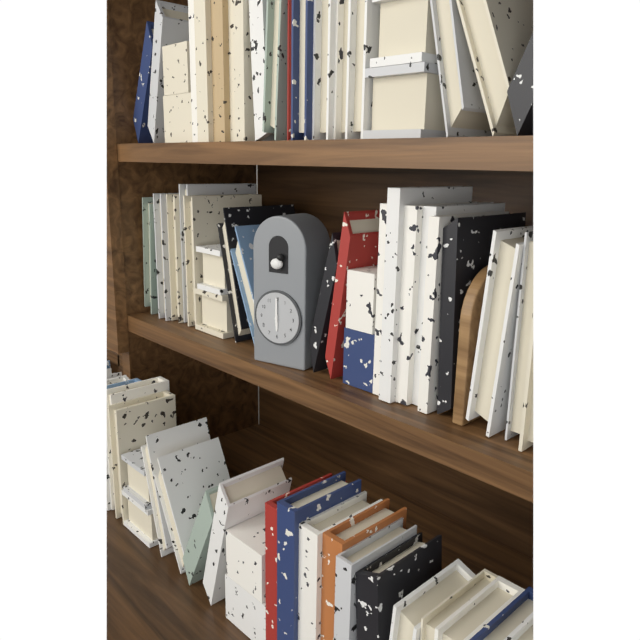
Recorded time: 6:00
